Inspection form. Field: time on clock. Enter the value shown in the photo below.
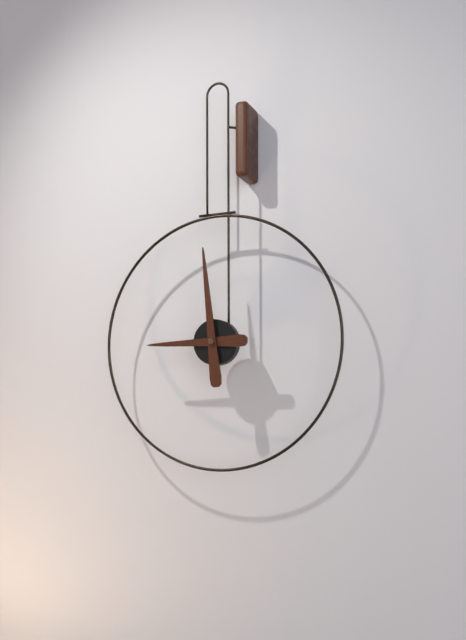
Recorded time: 8:59
